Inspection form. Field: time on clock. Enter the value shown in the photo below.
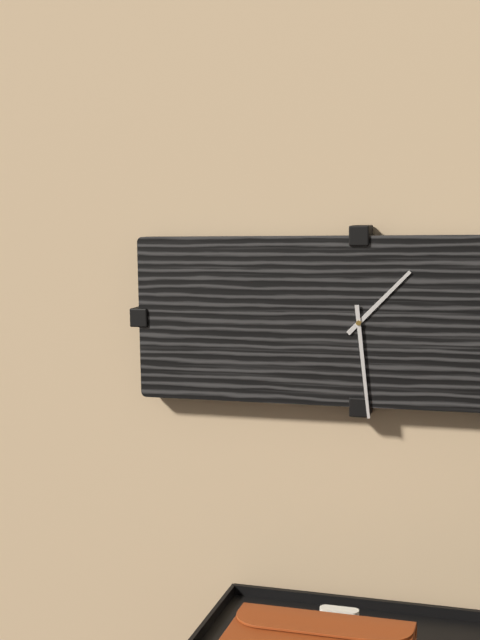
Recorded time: 1:29
